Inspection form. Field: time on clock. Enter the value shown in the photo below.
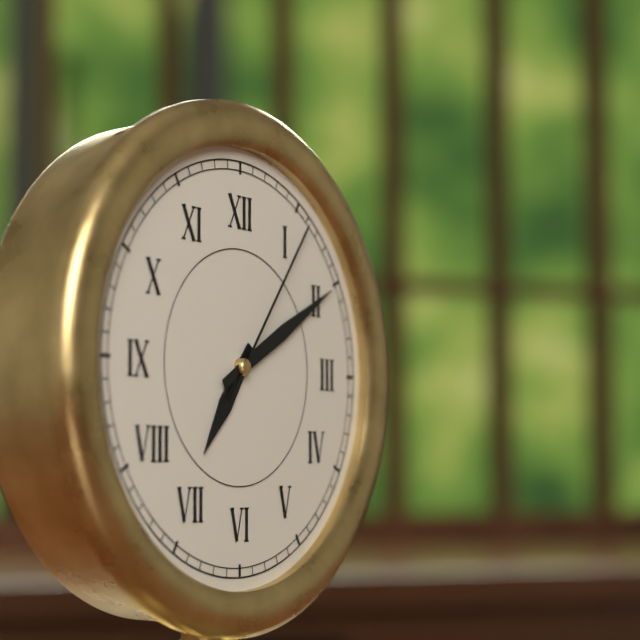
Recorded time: 7:10:06
